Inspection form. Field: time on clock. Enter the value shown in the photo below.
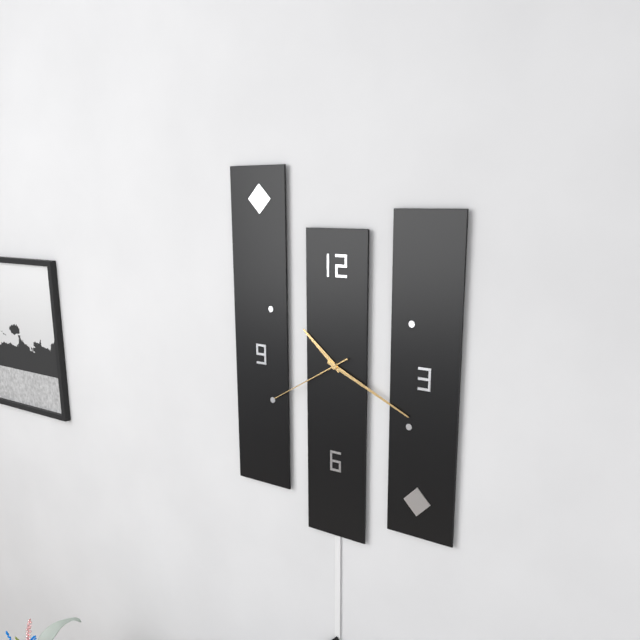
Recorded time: 10:19:40
